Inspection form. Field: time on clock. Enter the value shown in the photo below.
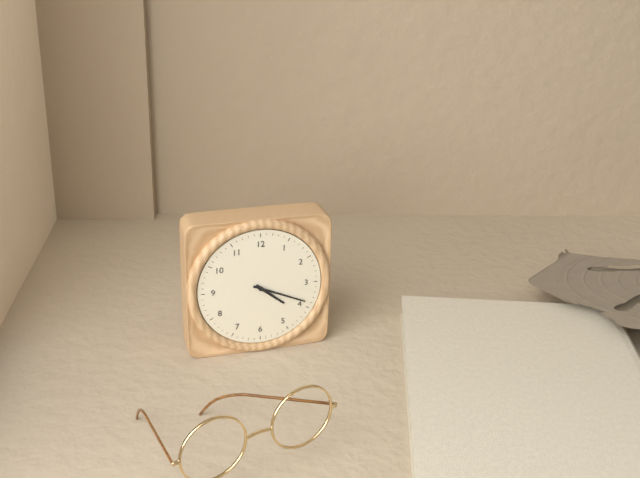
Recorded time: 4:19
